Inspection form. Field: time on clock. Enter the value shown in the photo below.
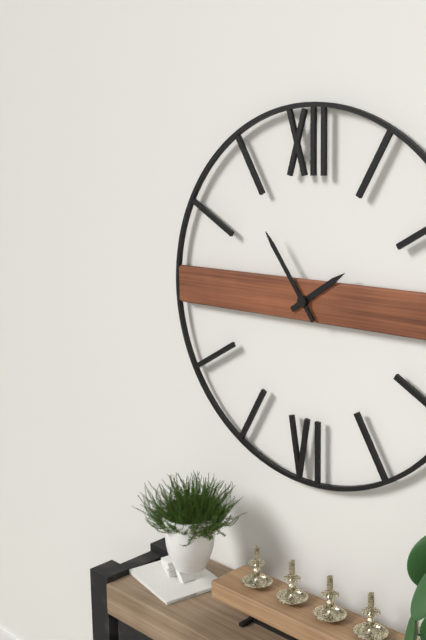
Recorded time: 1:54
